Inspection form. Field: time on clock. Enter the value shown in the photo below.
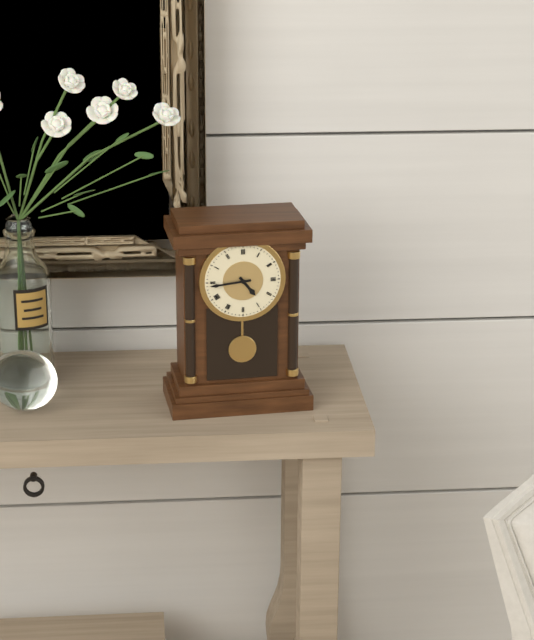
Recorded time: 4:44
